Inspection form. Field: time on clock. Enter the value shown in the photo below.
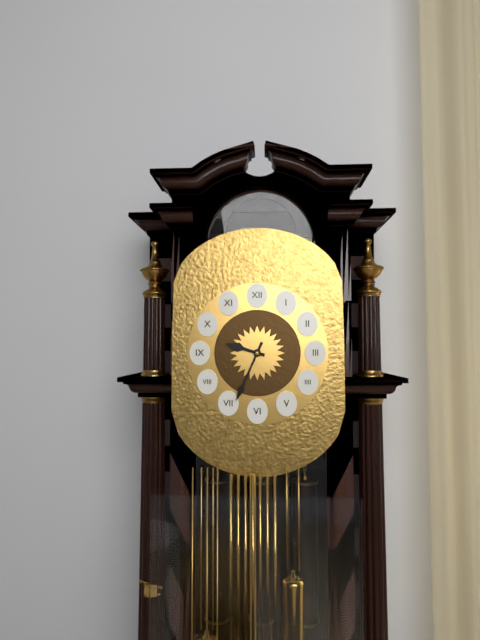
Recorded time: 9:34
